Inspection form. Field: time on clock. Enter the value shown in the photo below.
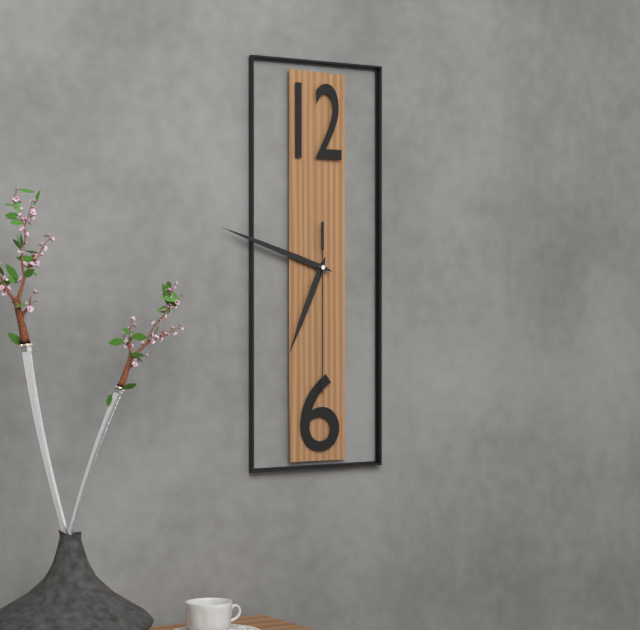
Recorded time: 6:48:30
